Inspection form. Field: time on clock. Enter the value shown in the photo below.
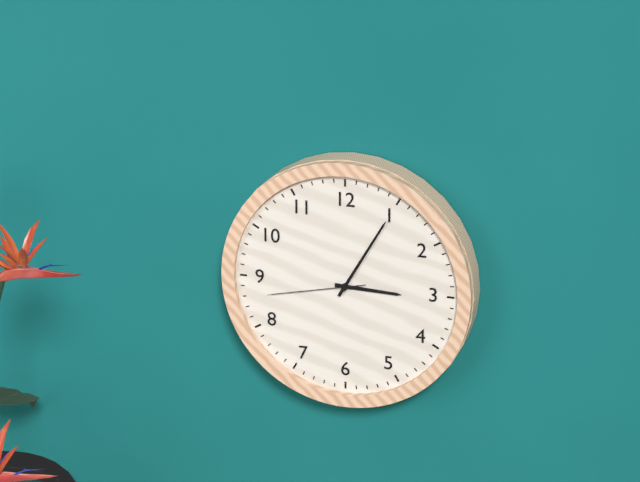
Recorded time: 3:05:43
